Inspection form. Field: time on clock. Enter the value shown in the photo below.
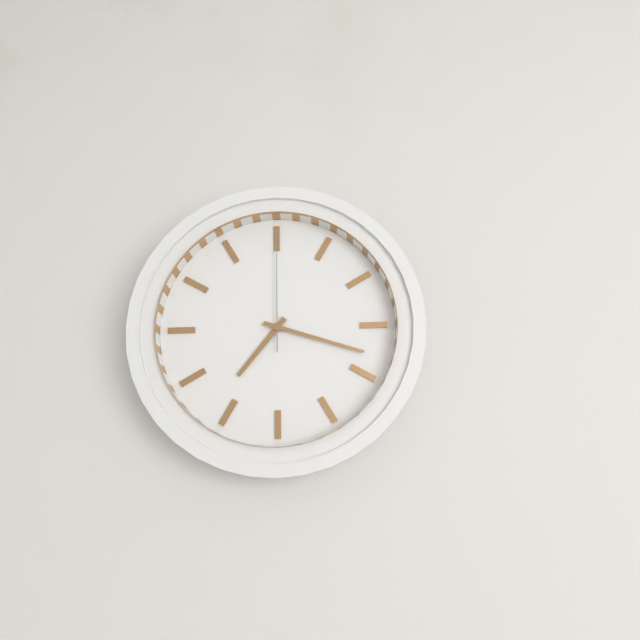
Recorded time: 7:18:00
